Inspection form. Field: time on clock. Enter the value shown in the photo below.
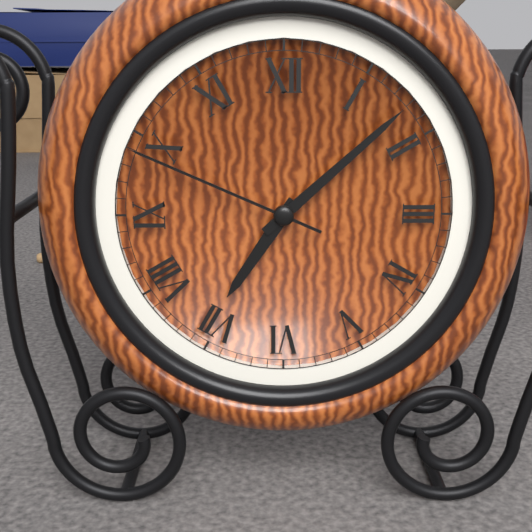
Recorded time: 7:08:49
